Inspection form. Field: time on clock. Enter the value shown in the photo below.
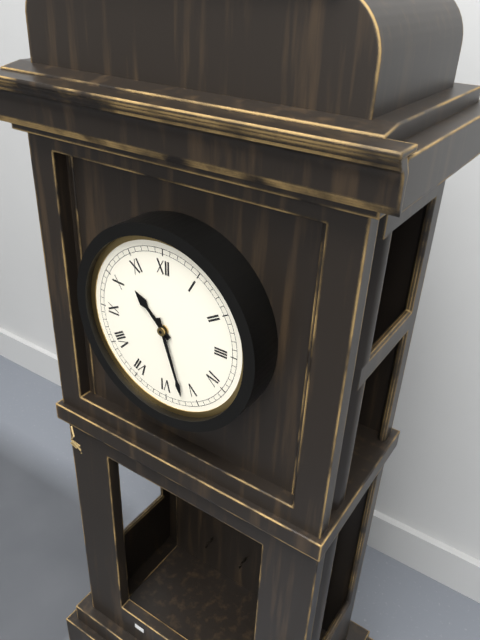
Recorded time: 10:27
